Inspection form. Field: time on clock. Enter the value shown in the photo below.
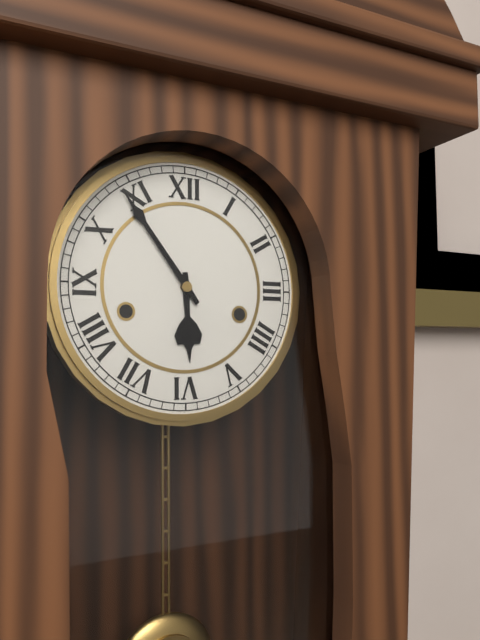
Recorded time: 5:54
